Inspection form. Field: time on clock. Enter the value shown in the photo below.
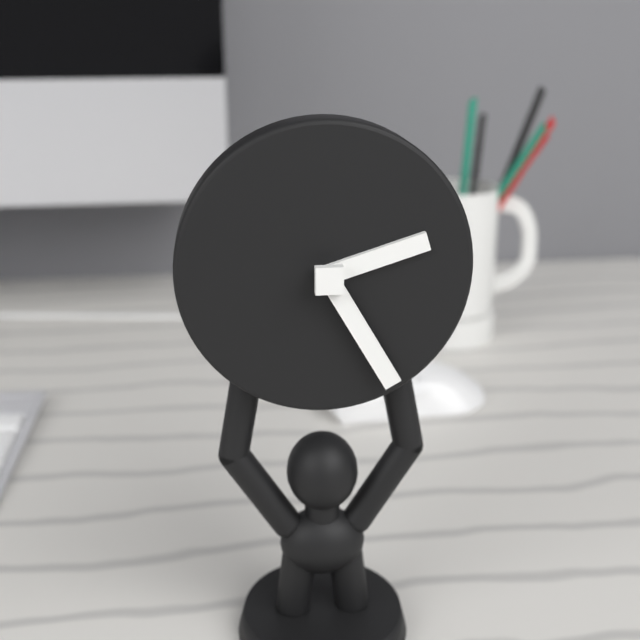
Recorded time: 2:25
